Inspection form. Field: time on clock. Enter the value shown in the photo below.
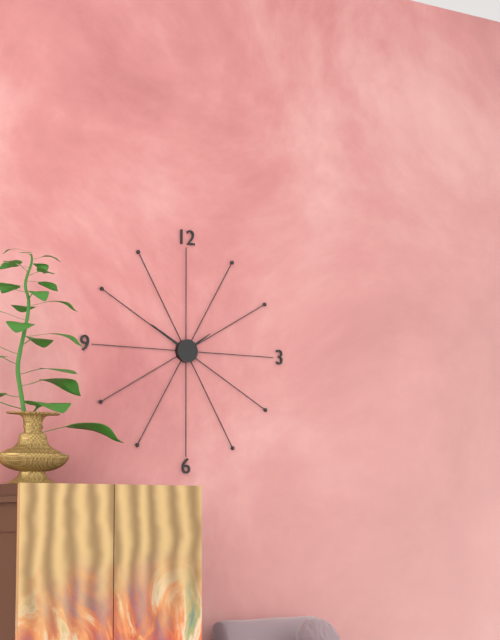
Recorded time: 1:50
